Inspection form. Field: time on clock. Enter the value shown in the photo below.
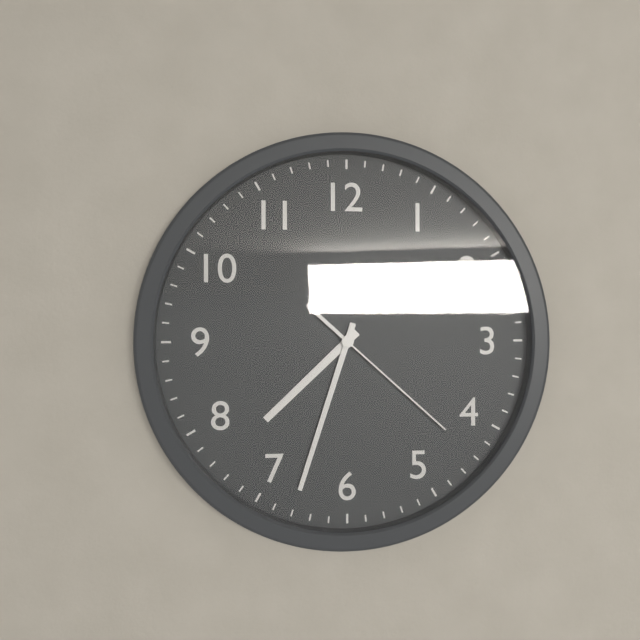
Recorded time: 7:33:22
